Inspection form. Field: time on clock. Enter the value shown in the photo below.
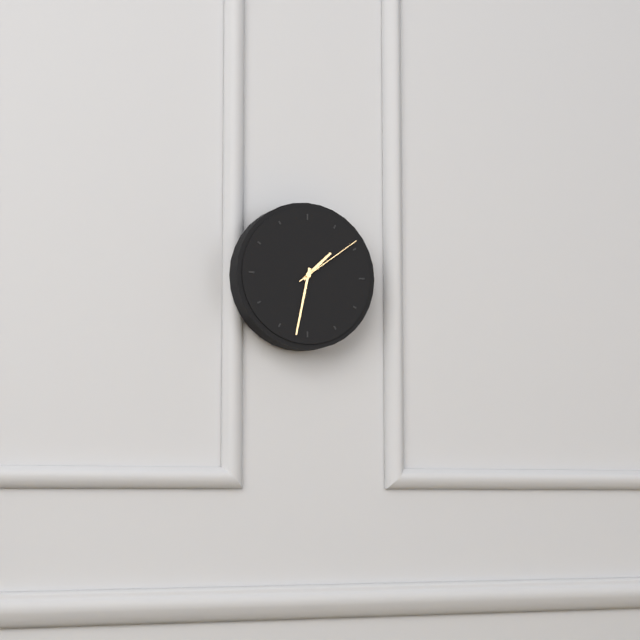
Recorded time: 1:32:09
